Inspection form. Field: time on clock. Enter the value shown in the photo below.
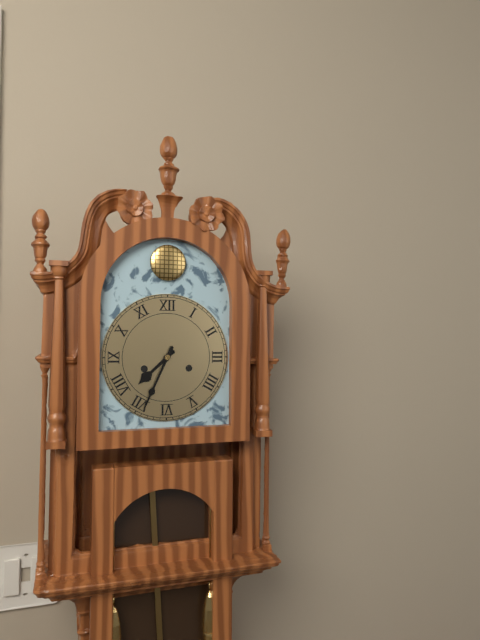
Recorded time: 7:34
